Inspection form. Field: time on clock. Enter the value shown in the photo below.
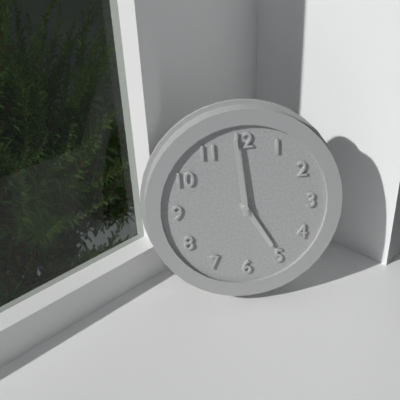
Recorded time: 4:59
